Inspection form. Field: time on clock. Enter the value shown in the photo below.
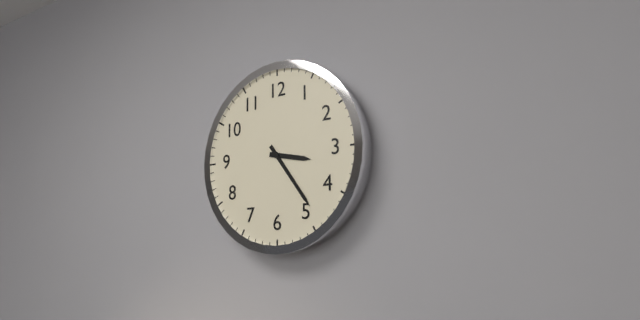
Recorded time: 3:24
